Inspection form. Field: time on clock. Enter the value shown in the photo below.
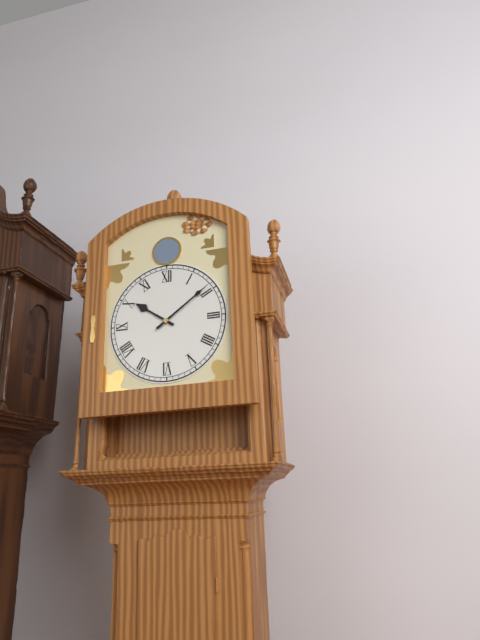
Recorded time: 10:09
